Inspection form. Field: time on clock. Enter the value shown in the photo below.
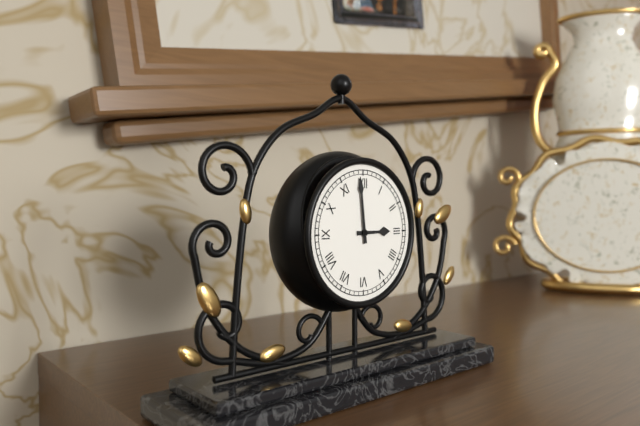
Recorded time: 2:59
